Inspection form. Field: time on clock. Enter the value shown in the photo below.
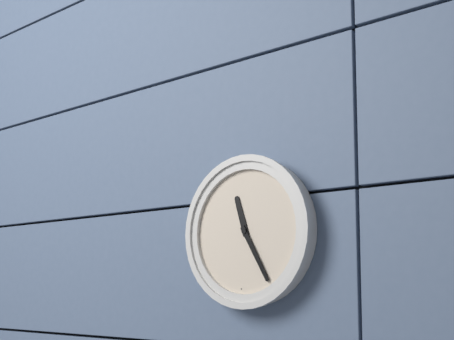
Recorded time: 11:25
